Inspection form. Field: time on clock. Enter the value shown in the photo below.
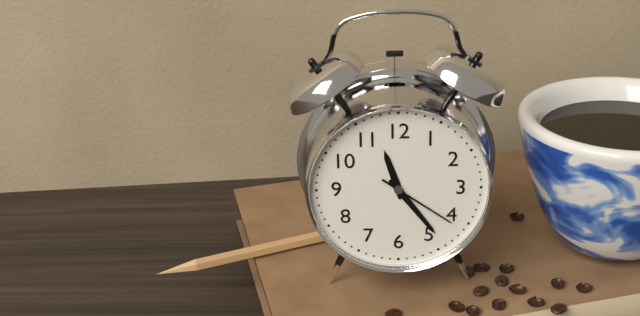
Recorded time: 11:24:21
